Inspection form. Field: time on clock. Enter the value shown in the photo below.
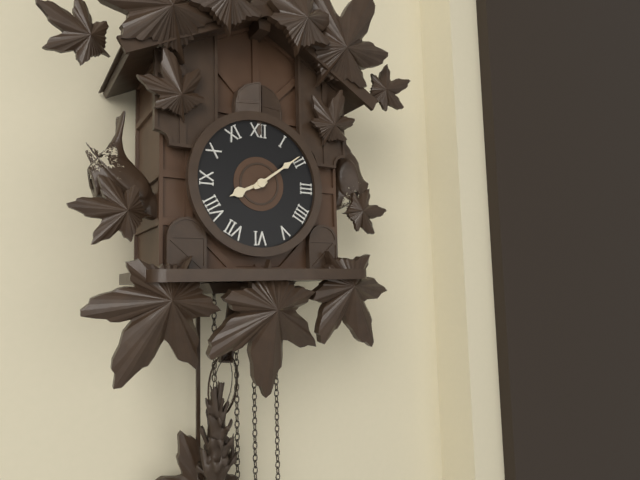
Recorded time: 8:09
